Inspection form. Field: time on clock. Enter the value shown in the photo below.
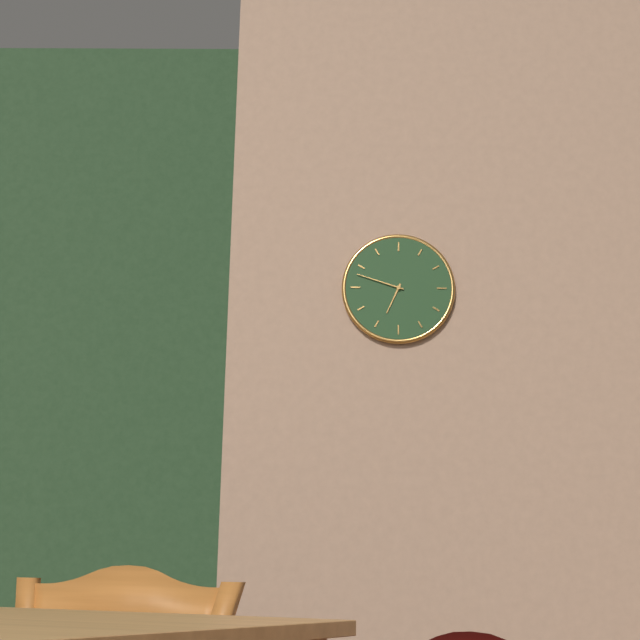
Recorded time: 6:48
